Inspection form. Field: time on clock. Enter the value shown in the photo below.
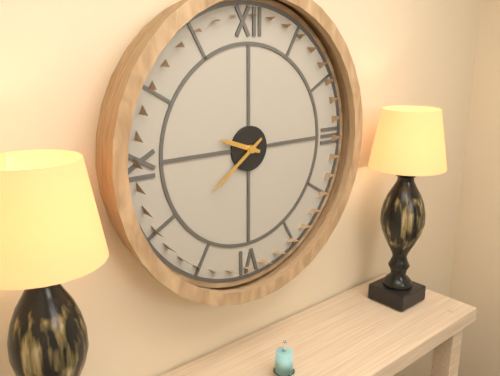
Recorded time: 9:39
